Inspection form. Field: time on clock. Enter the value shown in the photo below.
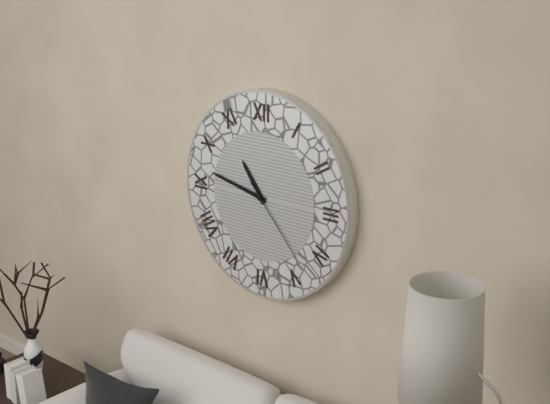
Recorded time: 10:47:23
